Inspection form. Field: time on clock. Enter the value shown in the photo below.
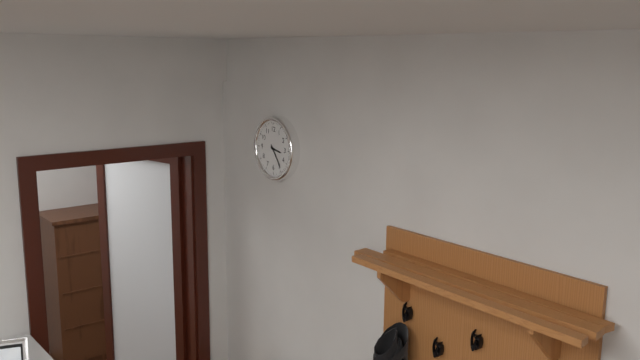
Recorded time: 3:24
